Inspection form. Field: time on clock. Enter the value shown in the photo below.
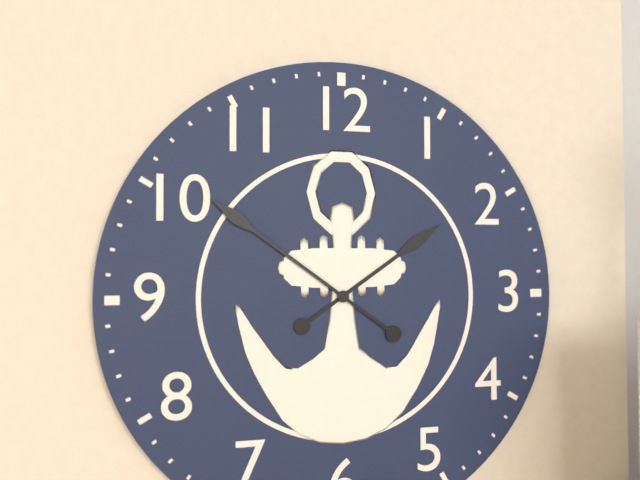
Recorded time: 1:51
